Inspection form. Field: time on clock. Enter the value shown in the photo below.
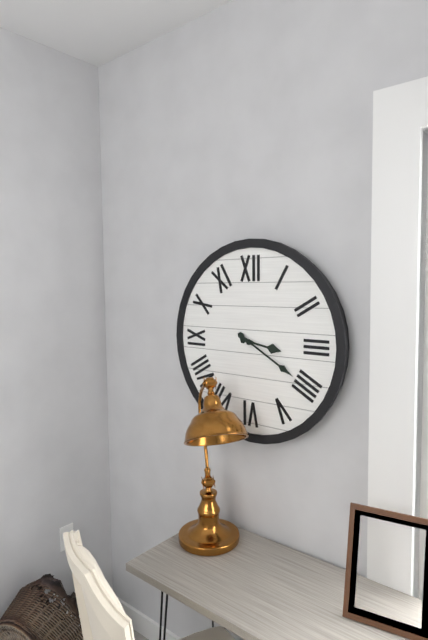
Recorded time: 3:20
